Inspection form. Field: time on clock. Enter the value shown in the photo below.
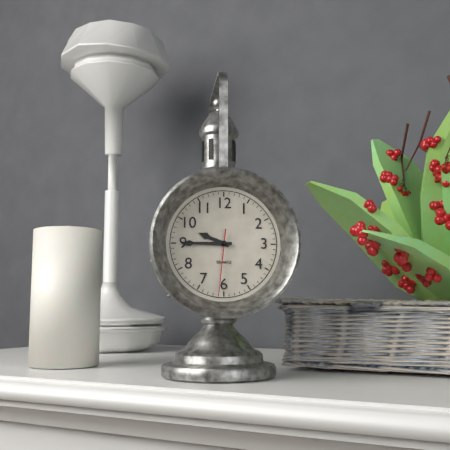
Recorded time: 9:45:31
